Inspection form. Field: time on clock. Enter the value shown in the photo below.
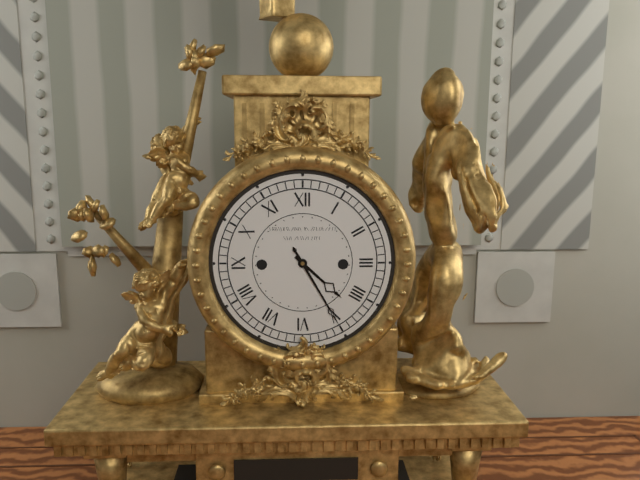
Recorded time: 4:25
